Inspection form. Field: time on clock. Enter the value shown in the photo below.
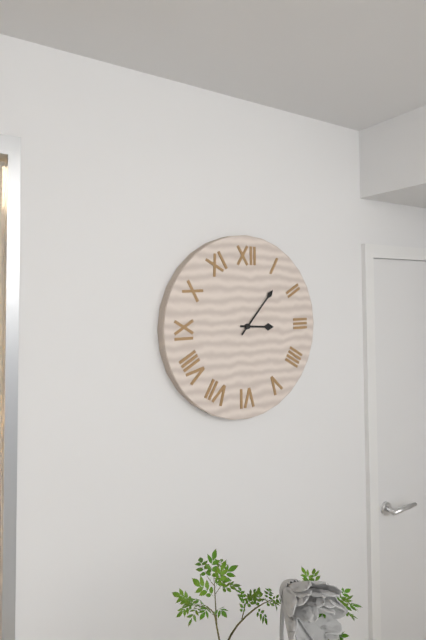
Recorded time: 3:07
